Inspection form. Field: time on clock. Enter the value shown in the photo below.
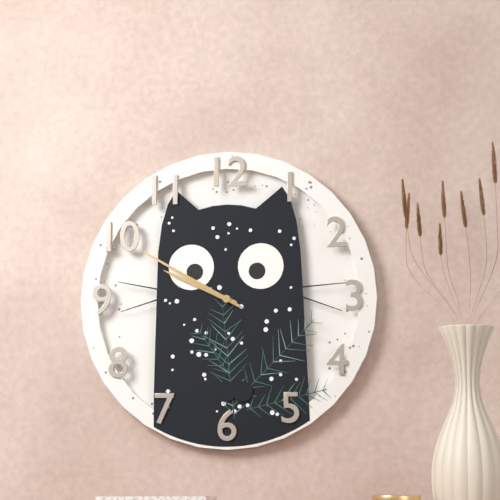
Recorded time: 9:50
